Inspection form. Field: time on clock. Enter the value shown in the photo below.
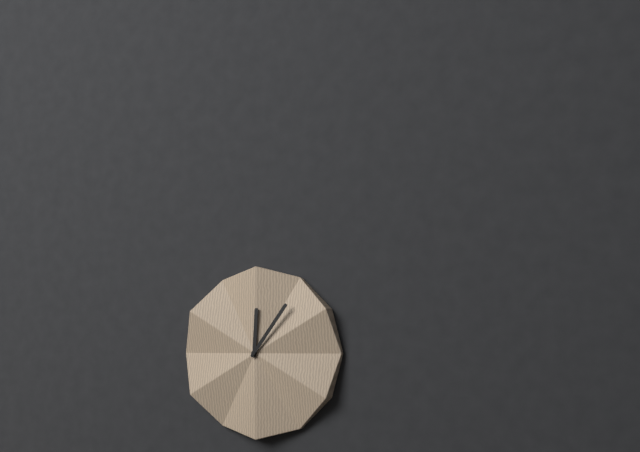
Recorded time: 12:06
